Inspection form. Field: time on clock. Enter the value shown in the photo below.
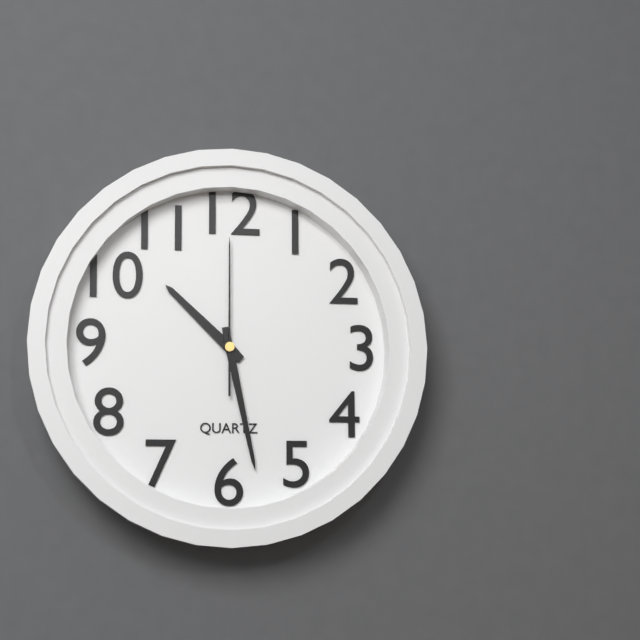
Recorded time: 10:28:00
